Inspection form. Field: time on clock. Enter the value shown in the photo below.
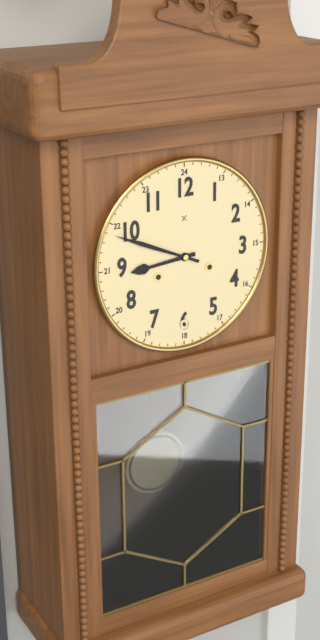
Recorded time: 8:49
